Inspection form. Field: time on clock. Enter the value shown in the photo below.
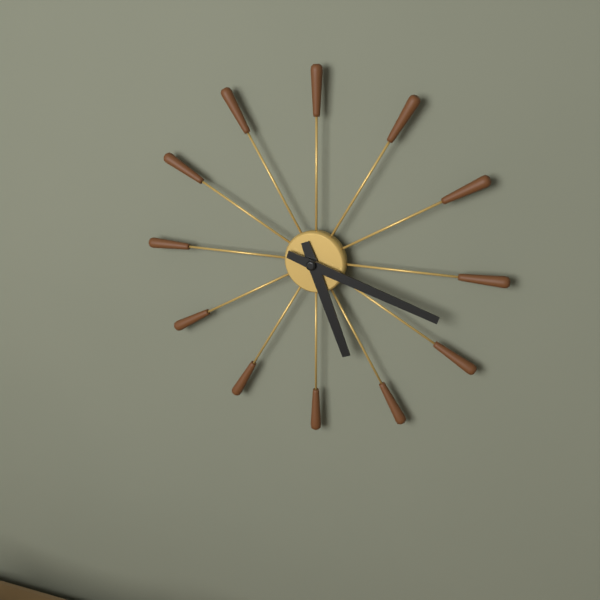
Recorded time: 5:18
